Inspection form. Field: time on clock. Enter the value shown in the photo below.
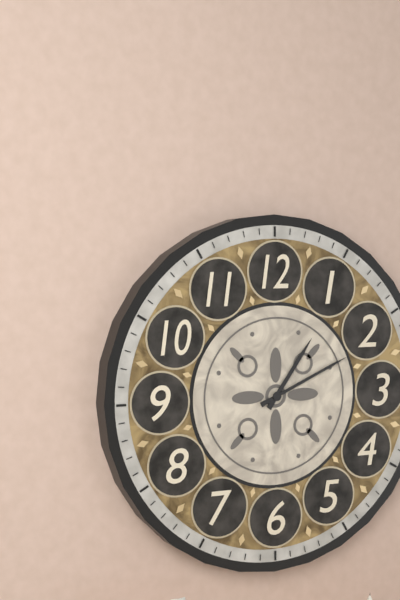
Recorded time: 1:11
